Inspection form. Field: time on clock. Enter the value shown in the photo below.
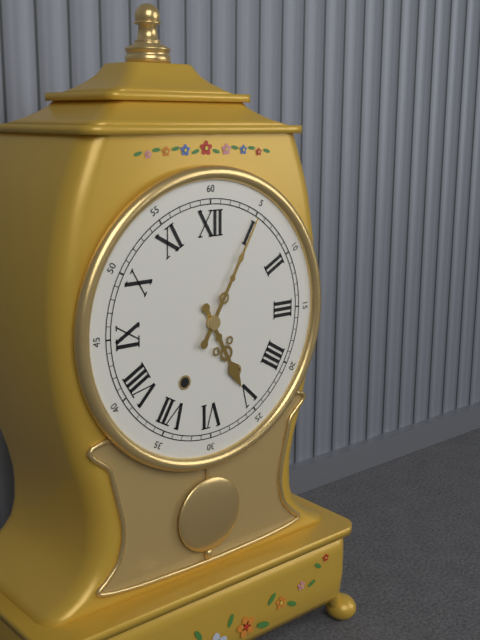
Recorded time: 5:05
